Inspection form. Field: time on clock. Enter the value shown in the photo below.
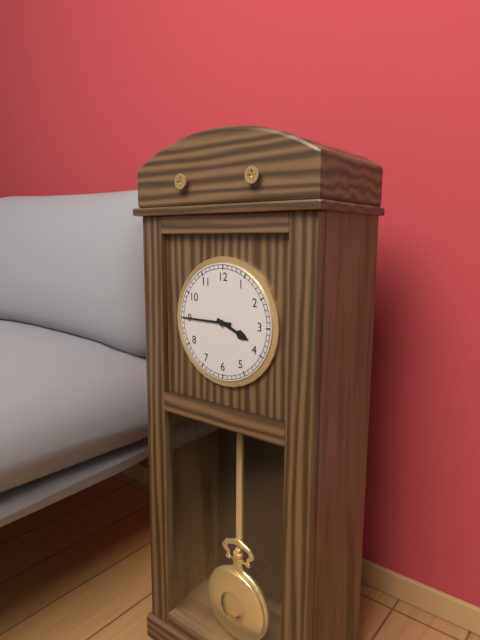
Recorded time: 3:45
